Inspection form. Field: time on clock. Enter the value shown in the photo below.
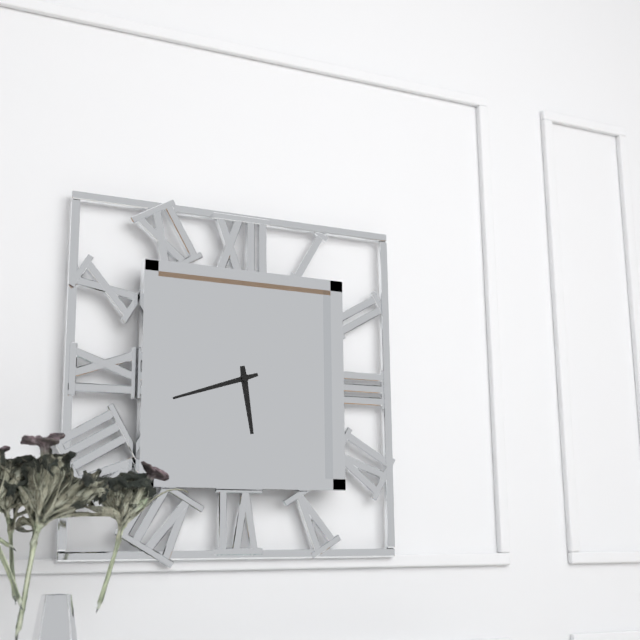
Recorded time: 5:42
